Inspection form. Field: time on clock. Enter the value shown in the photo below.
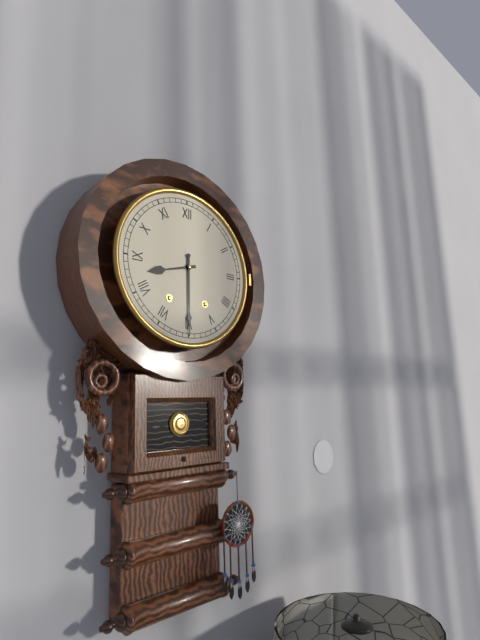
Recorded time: 8:30
